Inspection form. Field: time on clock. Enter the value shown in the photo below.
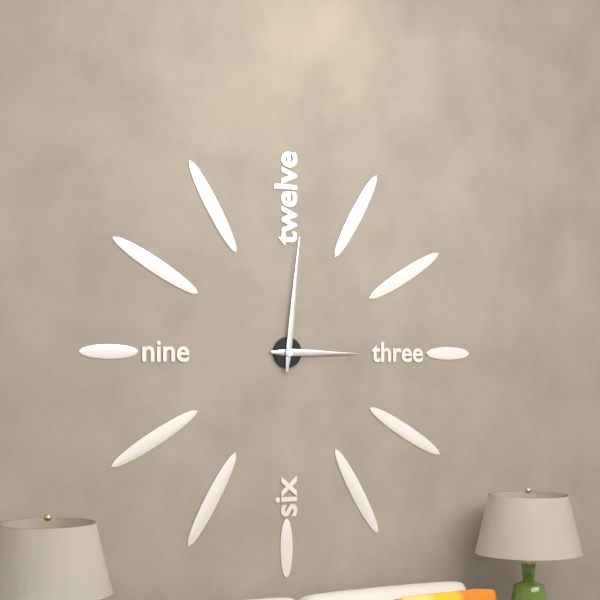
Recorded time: 3:01
